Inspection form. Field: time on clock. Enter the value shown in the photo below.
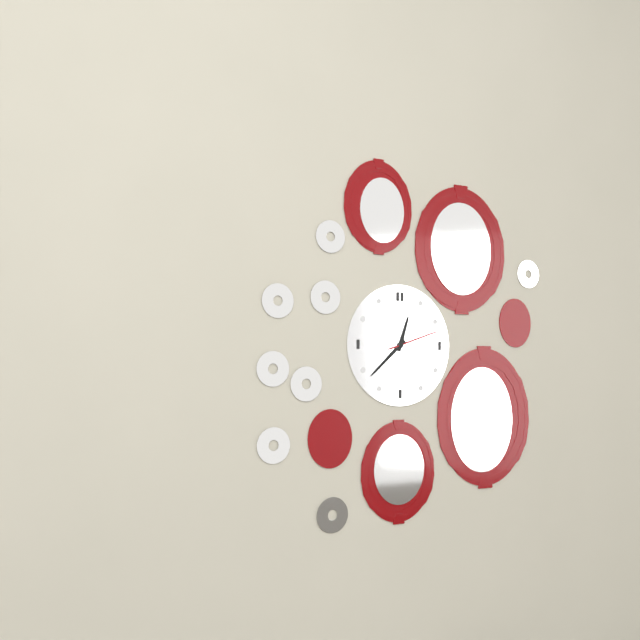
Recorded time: 12:38:12
